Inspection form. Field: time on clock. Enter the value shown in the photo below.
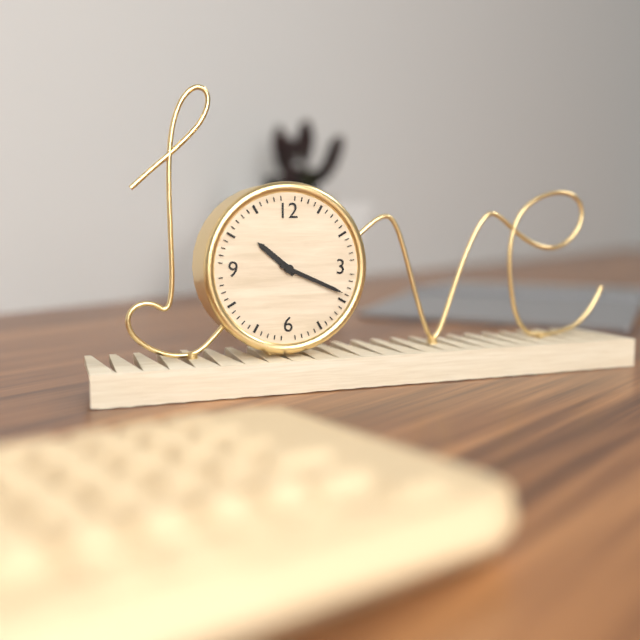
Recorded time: 10:19
